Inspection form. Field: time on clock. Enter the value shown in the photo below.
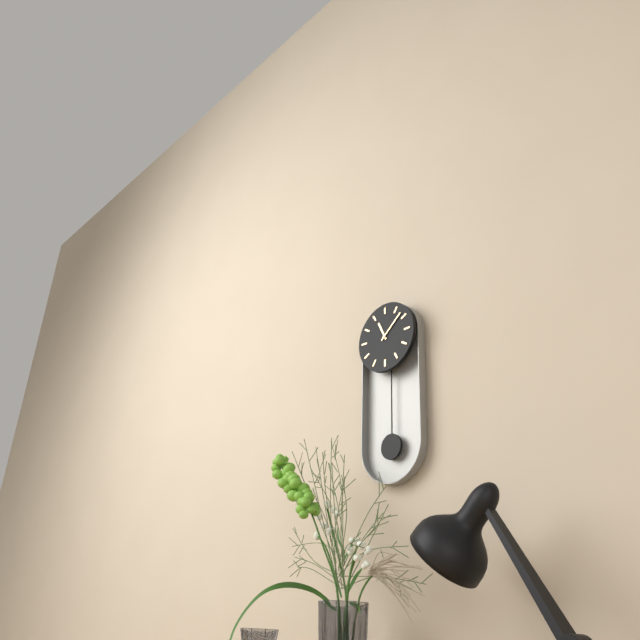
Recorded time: 11:08
